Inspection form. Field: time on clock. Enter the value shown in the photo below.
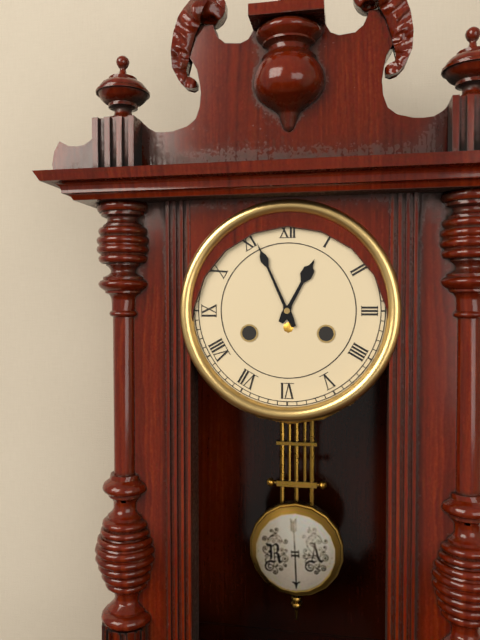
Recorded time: 12:56
